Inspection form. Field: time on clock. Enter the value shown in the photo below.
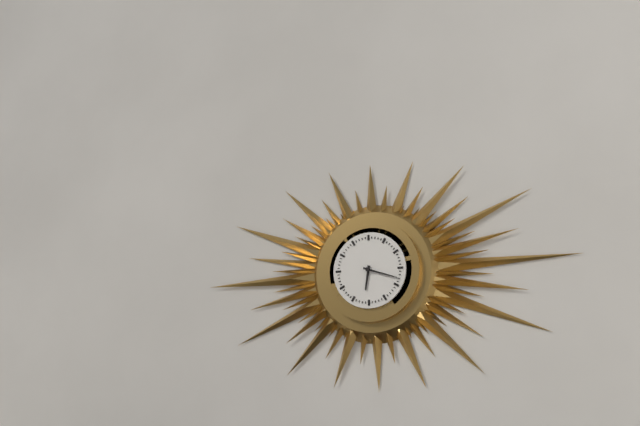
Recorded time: 6:18
